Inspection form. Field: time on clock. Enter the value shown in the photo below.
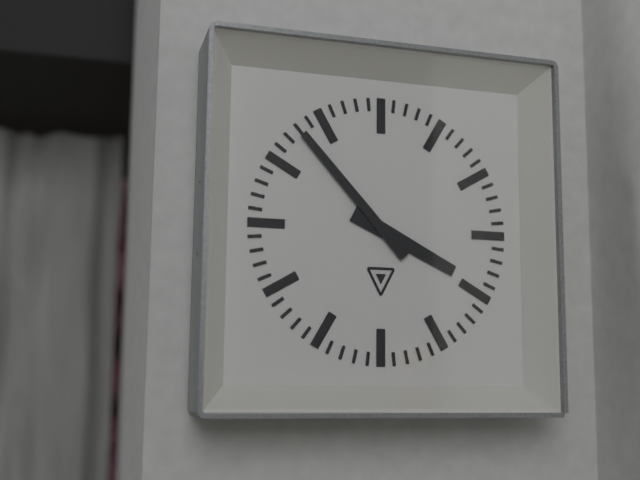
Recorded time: 3:53
